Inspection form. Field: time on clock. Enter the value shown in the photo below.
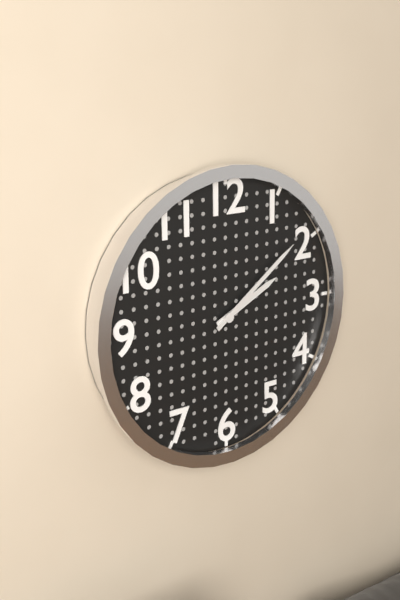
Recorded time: 2:09
